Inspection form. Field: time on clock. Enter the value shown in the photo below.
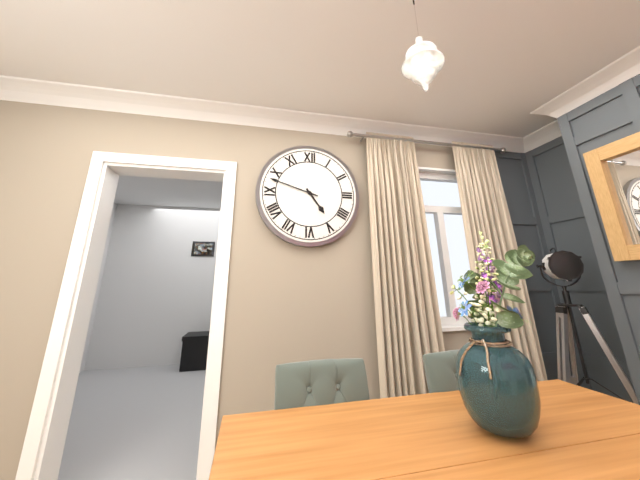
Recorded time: 4:48
